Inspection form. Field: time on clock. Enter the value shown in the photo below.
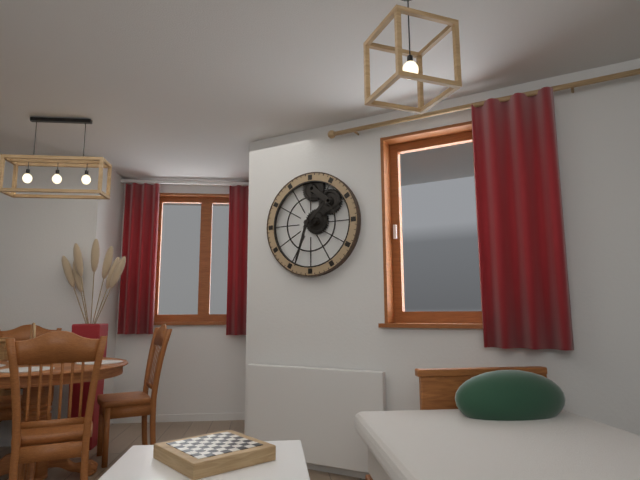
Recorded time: 1:33
